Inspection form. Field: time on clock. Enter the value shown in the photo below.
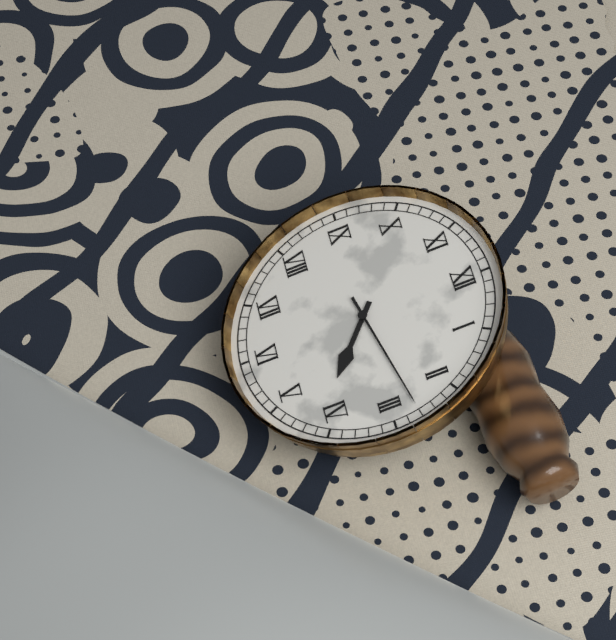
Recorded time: 4:13
